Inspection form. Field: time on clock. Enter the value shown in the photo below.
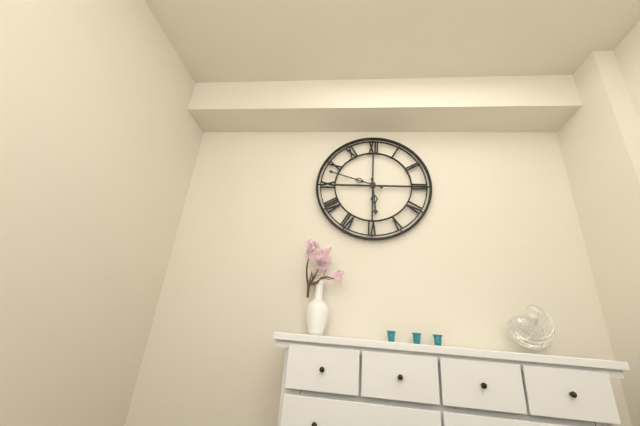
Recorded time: 5:48
